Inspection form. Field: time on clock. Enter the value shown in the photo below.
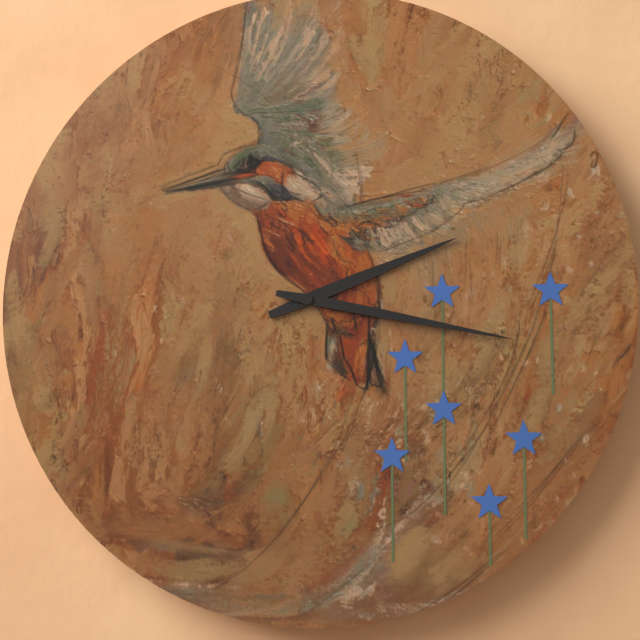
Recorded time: 2:17
